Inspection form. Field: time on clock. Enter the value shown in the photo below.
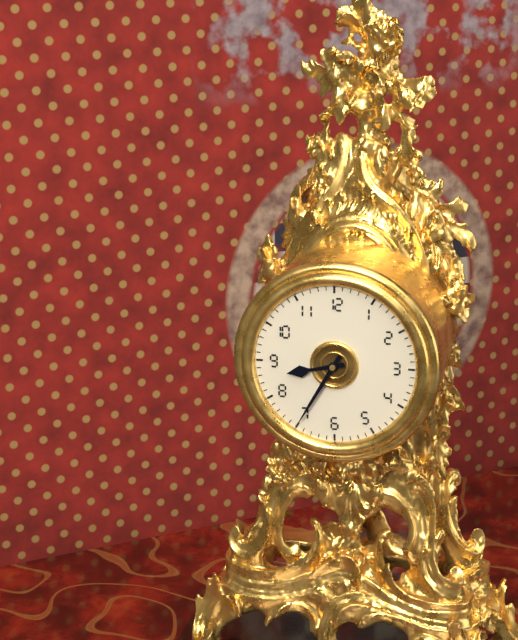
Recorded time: 8:35
